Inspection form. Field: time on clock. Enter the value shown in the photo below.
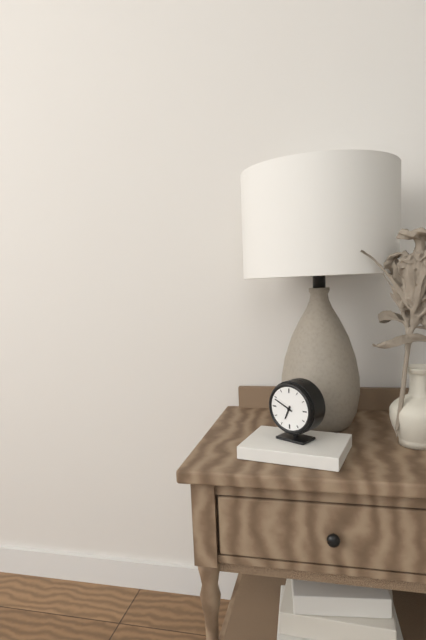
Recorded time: 6:49
